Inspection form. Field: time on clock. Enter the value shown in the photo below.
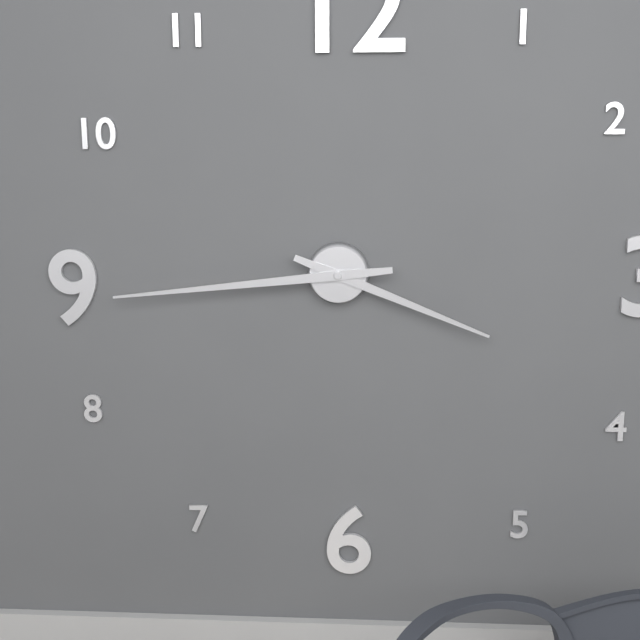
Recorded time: 3:44
